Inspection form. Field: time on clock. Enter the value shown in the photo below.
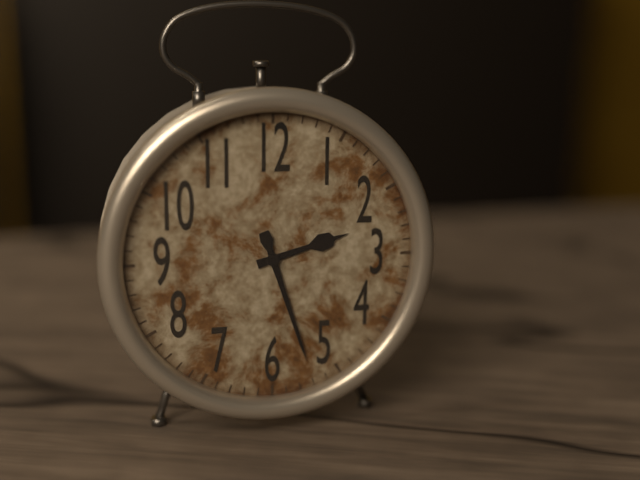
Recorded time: 2:27
